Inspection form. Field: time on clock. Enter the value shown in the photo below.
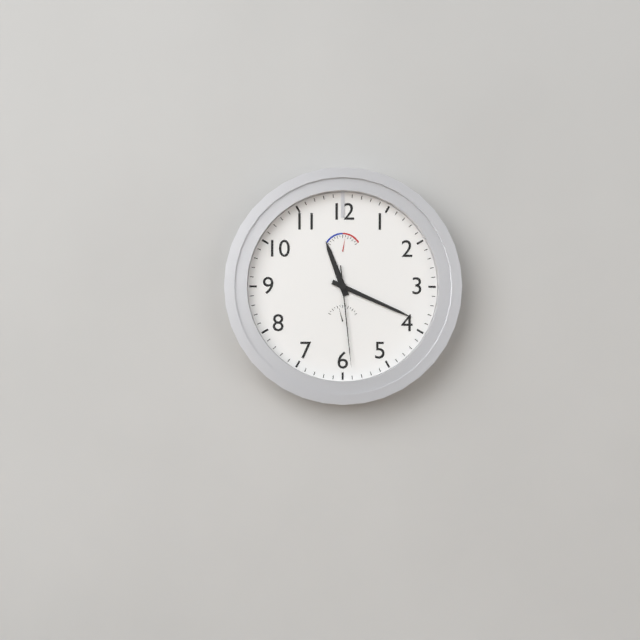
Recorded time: 11:19:29
